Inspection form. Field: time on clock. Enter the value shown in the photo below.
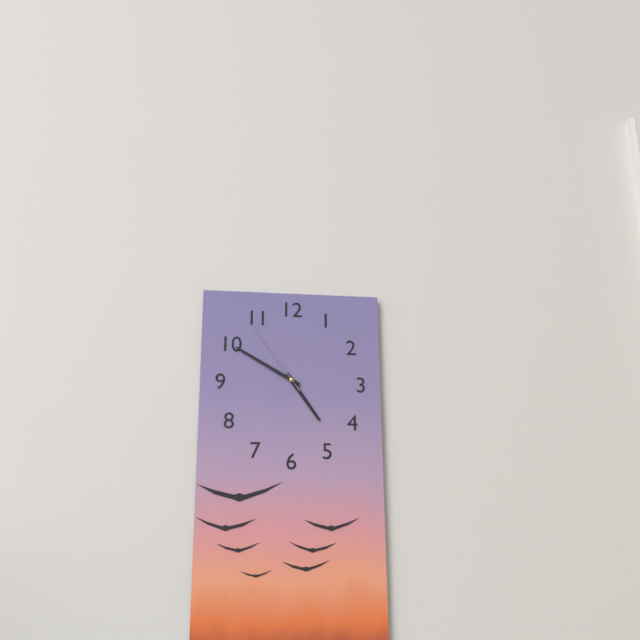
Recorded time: 4:50:54
